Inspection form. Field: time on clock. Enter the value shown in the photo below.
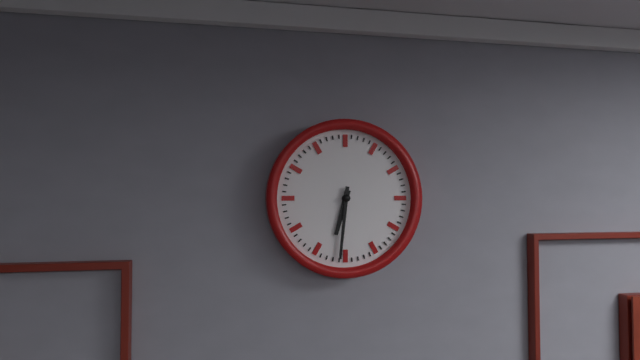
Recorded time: 6:31
